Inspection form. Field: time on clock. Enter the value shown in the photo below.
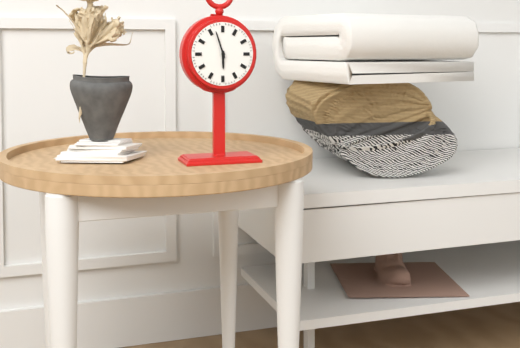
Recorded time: 5:57
